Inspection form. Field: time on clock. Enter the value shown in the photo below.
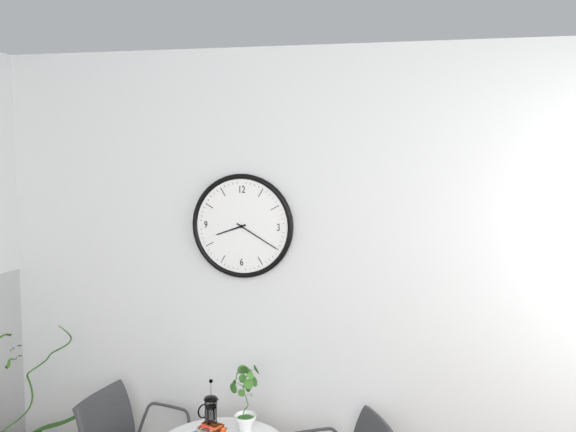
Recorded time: 8:20
